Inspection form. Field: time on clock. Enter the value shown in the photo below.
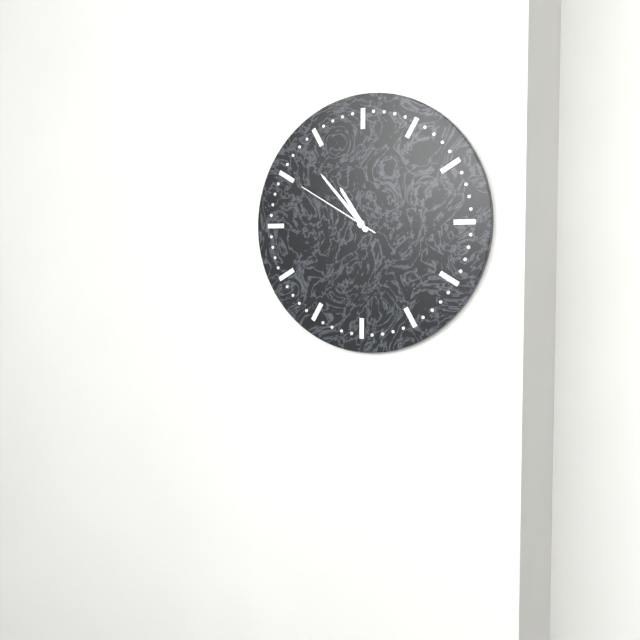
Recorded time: 10:53:50
